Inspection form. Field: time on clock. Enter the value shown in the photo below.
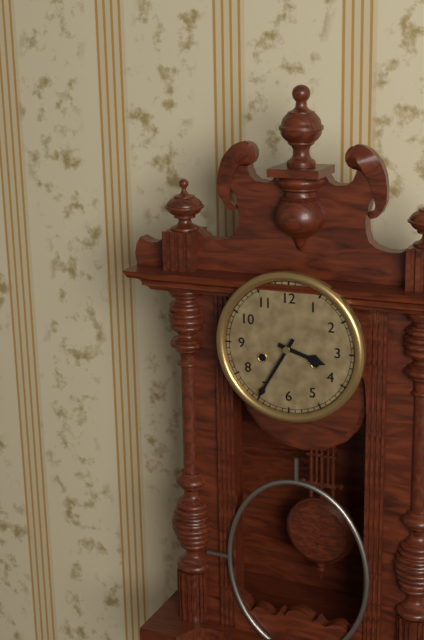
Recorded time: 3:35
